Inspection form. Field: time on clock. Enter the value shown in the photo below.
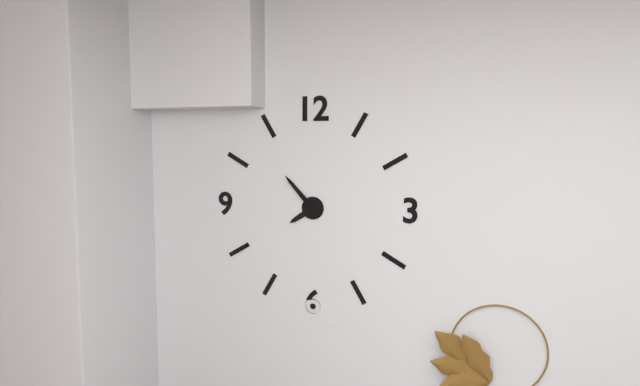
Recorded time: 7:53
